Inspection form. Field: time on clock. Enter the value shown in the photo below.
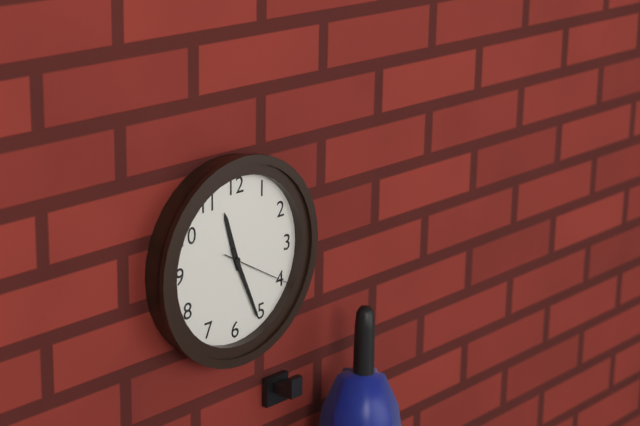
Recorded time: 11:26:20
